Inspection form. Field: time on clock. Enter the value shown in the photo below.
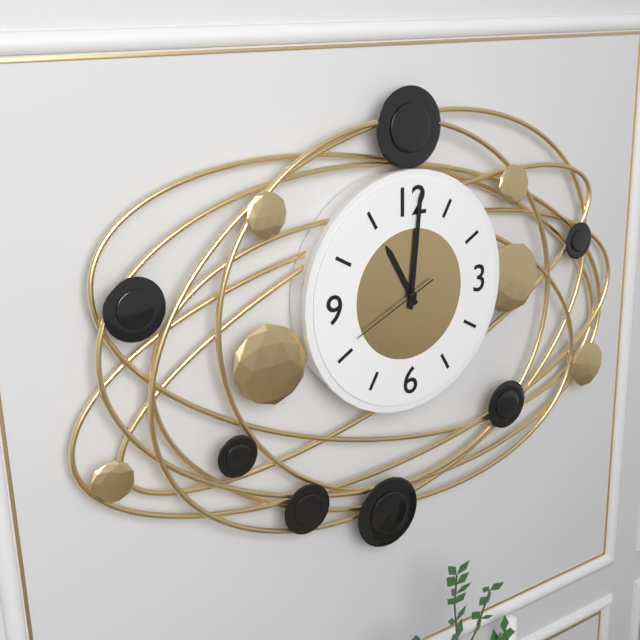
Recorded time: 11:01:41
